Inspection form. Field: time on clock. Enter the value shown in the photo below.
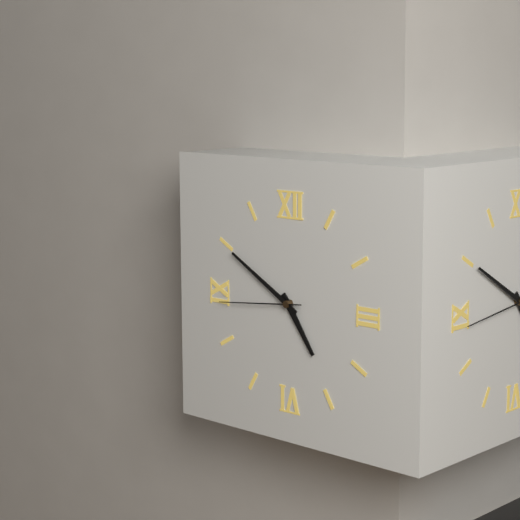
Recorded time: 4:50:44
